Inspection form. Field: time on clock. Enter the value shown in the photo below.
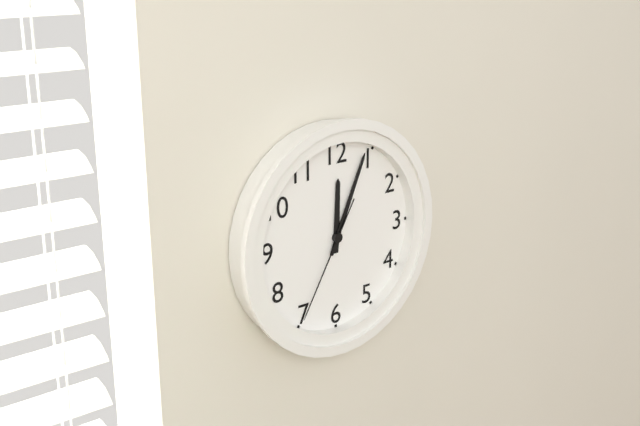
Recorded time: 12:04:35
